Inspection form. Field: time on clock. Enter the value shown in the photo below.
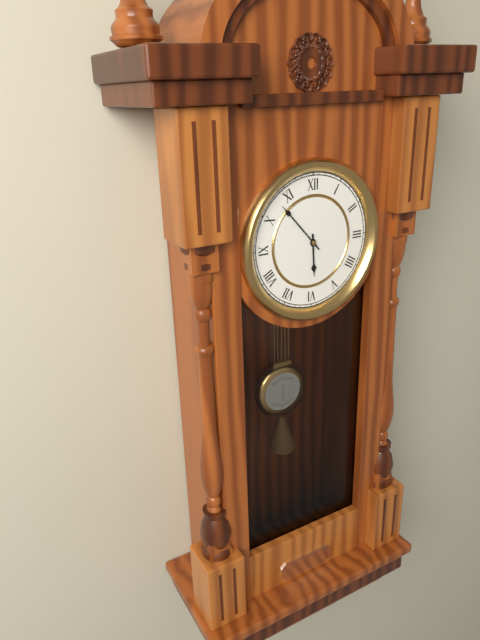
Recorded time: 5:53
